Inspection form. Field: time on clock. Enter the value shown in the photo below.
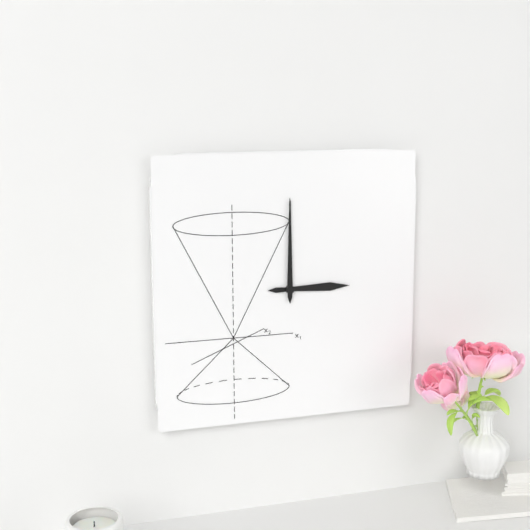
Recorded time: 3:00
